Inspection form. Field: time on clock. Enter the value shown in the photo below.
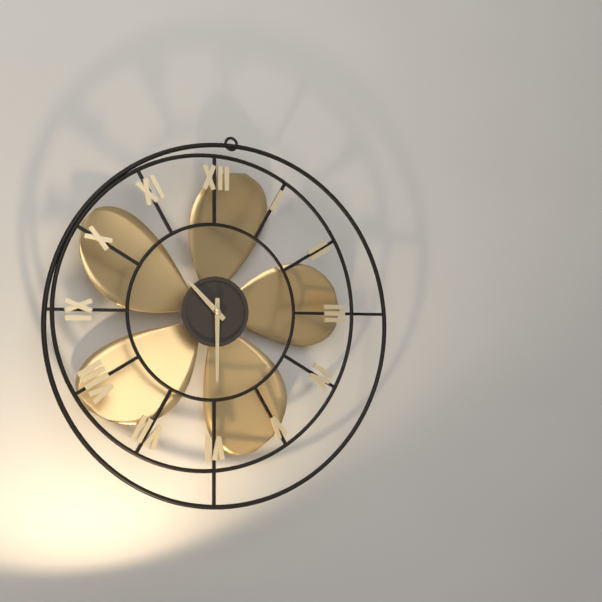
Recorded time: 10:30
